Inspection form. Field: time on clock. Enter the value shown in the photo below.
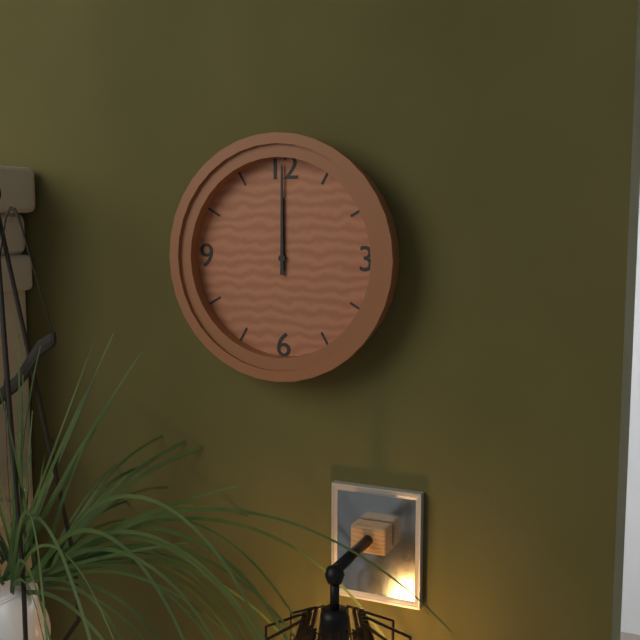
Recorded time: 12:00
